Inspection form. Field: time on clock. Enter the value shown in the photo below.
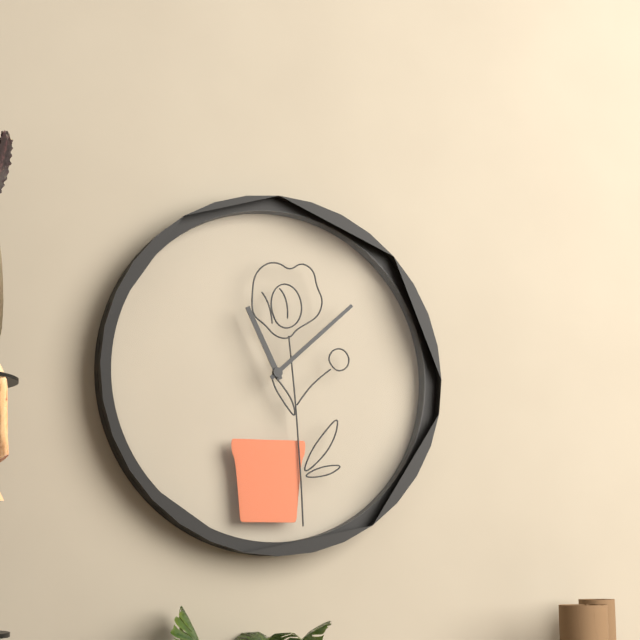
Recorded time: 11:08
